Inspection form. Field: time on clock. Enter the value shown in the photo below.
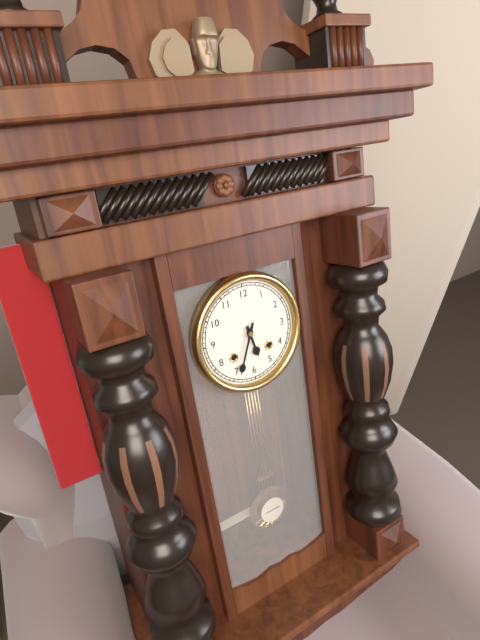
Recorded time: 5:34
